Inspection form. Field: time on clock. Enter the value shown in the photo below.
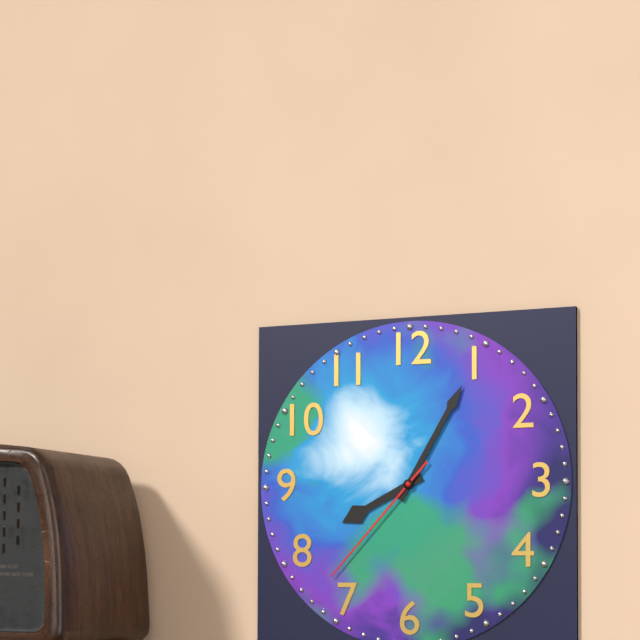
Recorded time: 8:05:37
